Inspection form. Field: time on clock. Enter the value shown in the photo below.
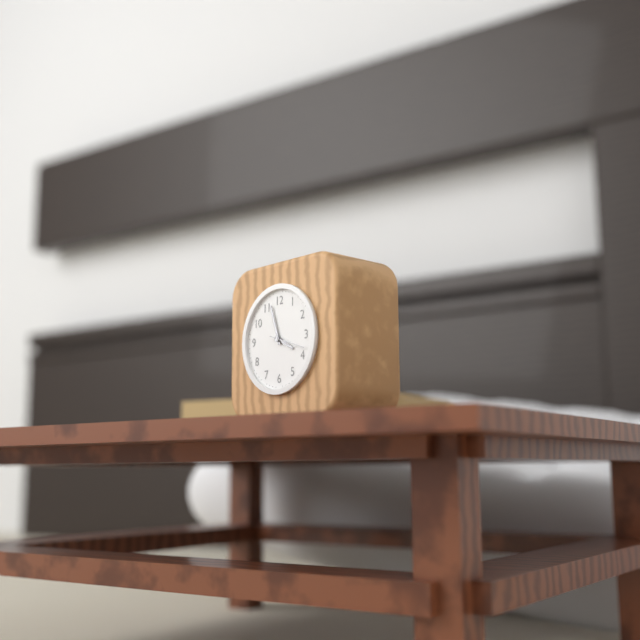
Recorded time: 3:57
